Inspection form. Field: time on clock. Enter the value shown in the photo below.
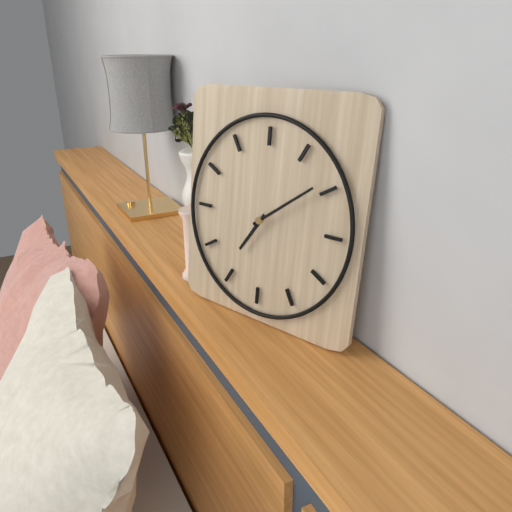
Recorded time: 7:09
